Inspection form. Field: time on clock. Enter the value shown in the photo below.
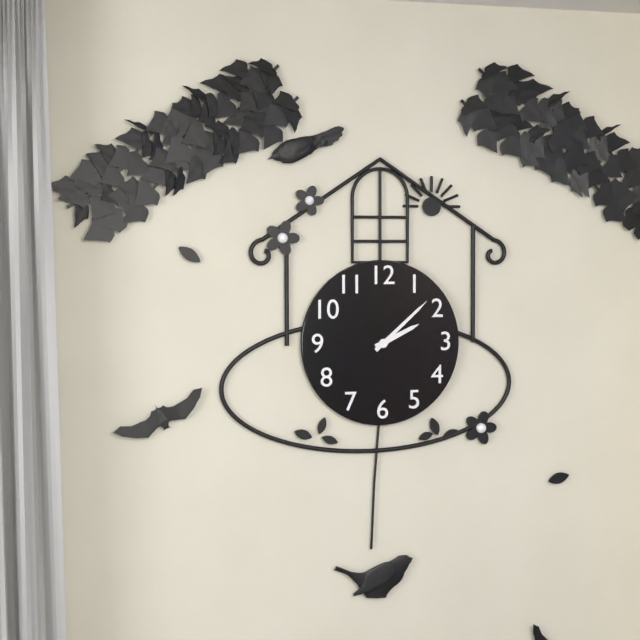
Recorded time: 2:08
